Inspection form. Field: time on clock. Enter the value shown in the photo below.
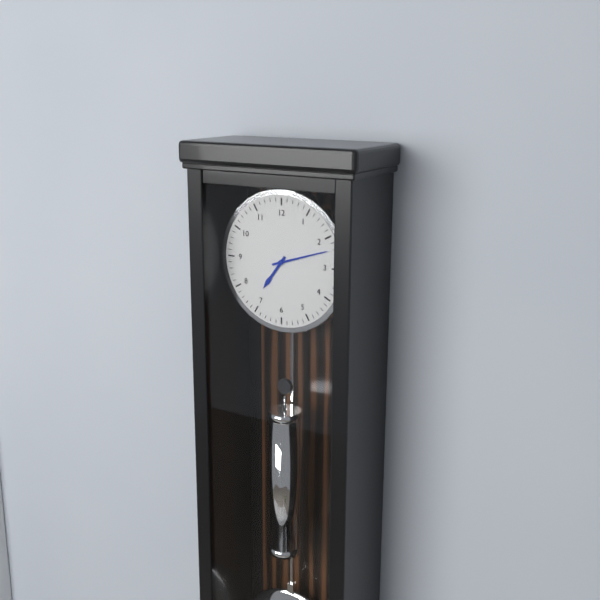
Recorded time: 7:12
